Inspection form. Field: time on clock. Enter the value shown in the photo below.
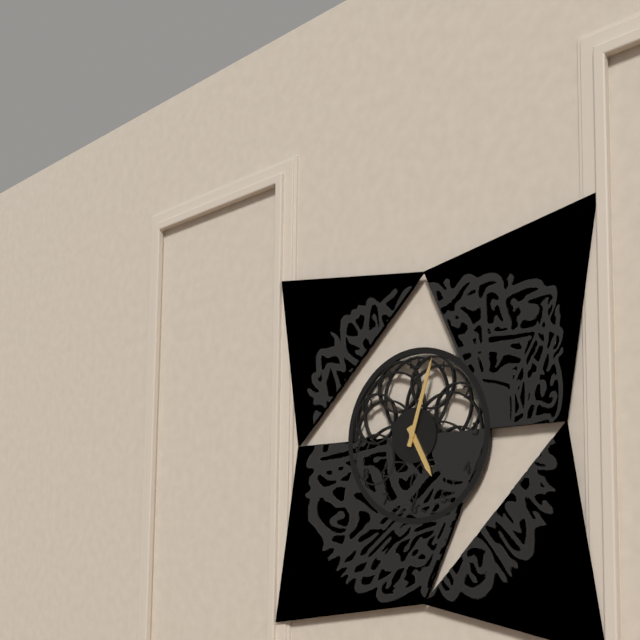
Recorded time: 5:03
